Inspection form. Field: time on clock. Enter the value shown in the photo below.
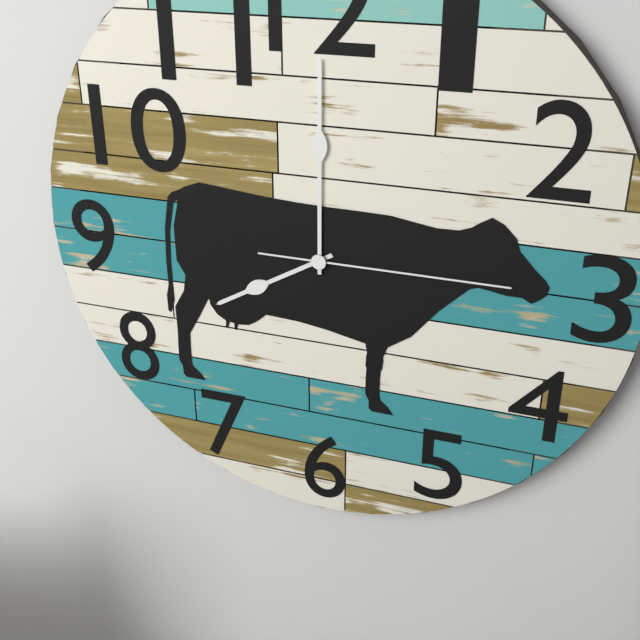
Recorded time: 8:00:15
